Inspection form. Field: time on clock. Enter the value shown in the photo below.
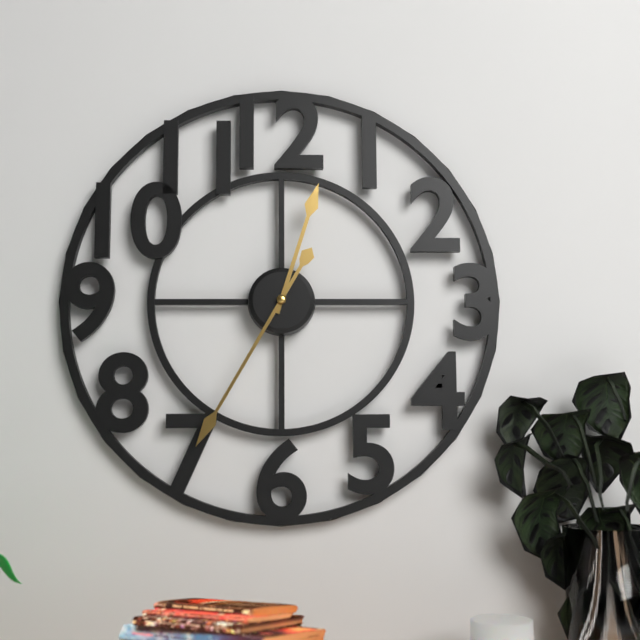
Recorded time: 12:35
